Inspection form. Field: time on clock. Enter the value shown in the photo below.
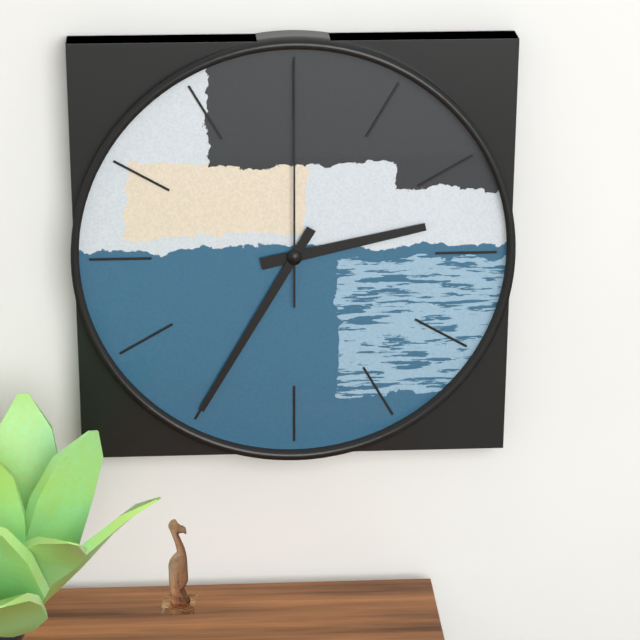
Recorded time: 2:35:00
